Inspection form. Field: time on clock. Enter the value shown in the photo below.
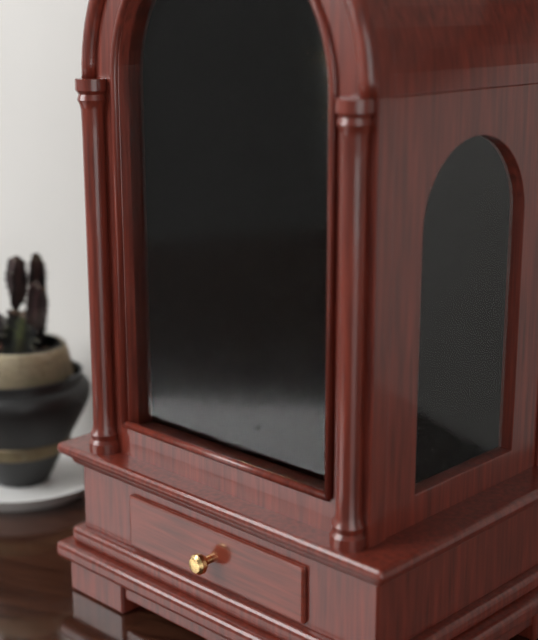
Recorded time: 5:07
